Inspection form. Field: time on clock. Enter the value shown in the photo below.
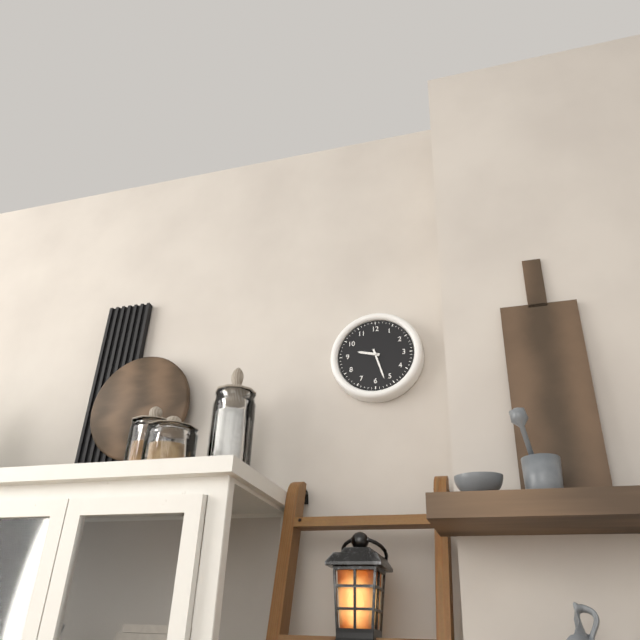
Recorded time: 9:27
